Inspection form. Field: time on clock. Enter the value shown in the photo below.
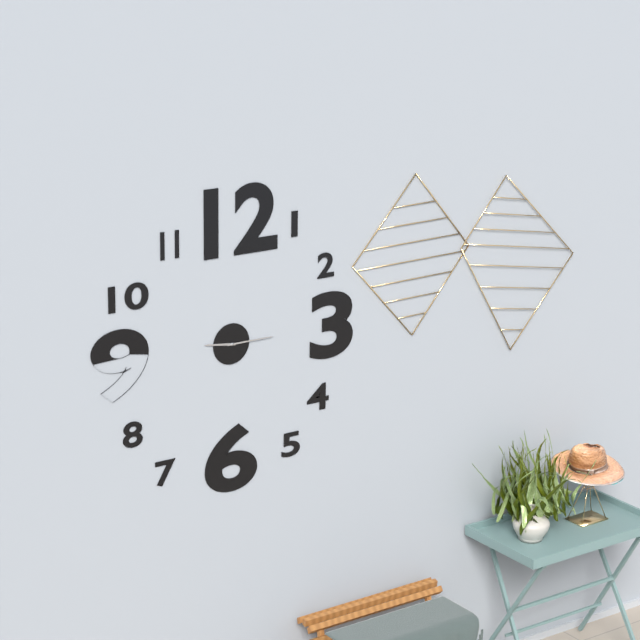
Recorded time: 9:15
